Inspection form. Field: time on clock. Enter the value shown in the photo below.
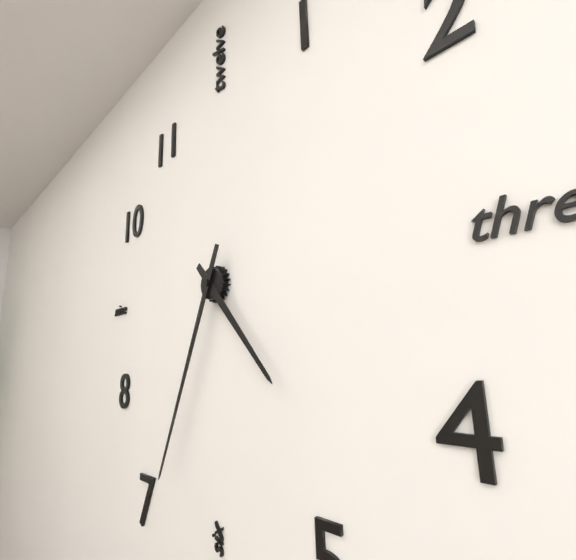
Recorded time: 4:34
